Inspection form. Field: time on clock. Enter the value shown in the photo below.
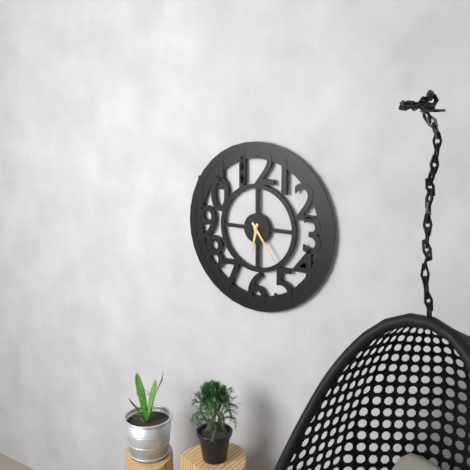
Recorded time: 6:24
